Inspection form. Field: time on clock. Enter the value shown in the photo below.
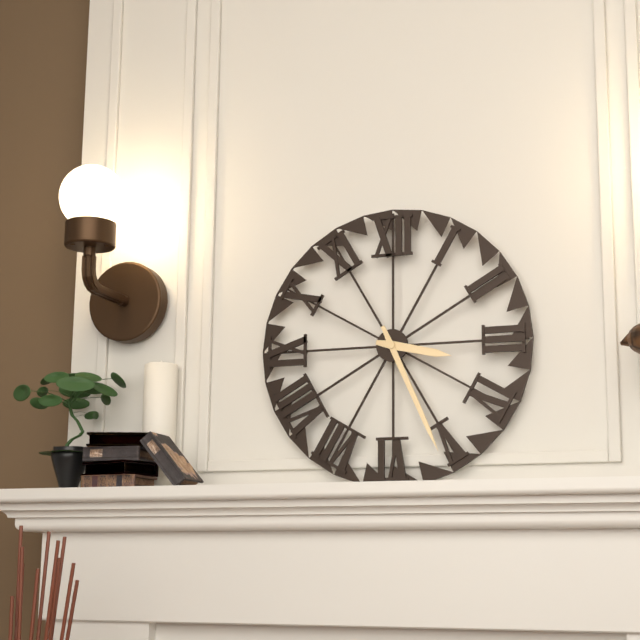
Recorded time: 3:26
